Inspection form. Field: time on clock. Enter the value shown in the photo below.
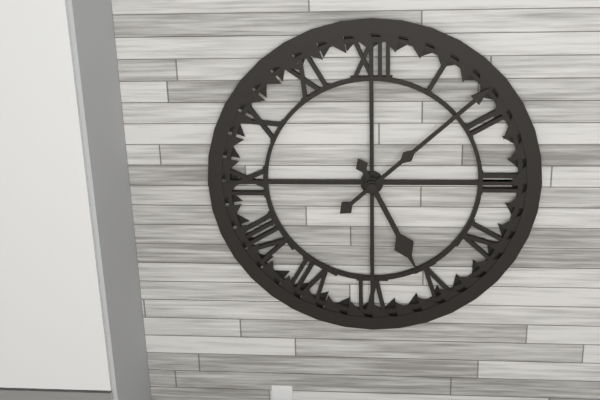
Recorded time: 5:08
